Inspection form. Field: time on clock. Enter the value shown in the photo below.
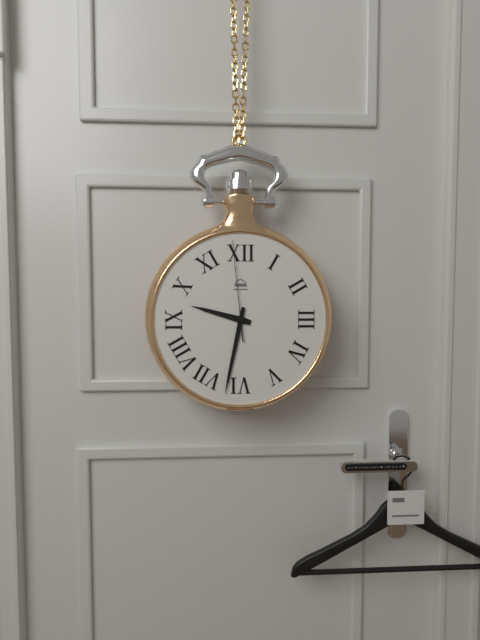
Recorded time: 9:32:59
